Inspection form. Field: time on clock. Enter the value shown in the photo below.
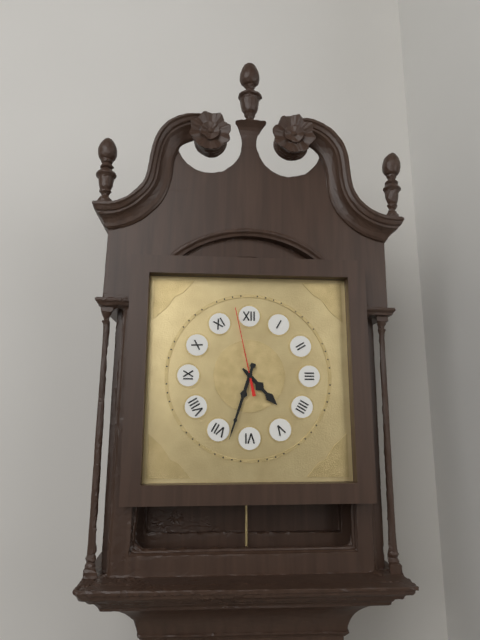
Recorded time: 4:33:58
